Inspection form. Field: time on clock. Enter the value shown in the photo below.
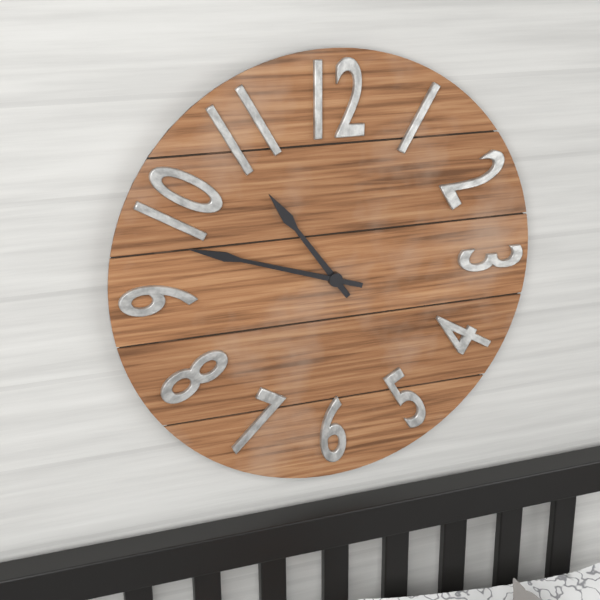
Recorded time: 10:48
